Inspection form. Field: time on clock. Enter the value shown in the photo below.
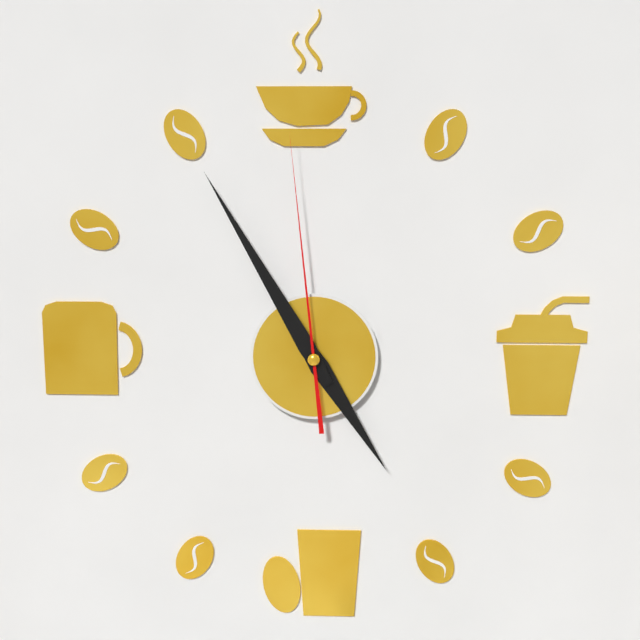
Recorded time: 4:55:59
